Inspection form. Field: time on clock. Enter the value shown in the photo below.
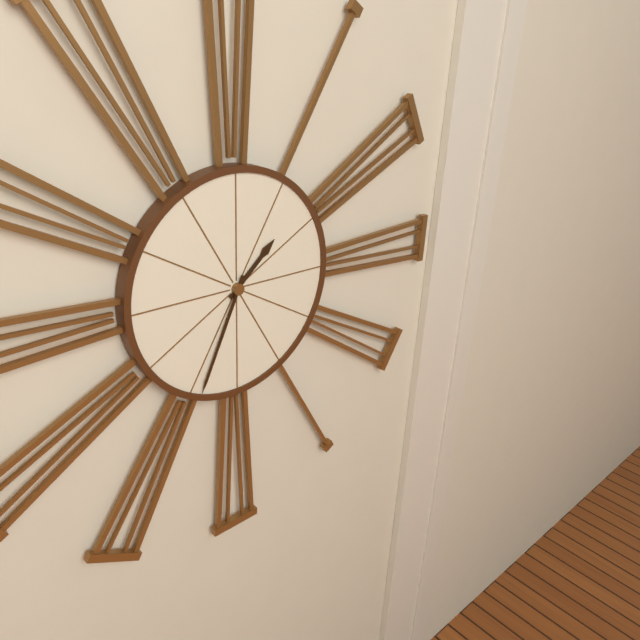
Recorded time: 1:34
